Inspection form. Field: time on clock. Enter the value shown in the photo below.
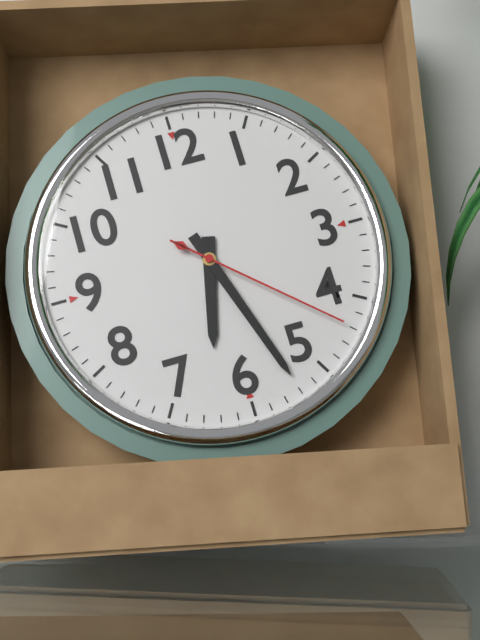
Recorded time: 6:27:22
